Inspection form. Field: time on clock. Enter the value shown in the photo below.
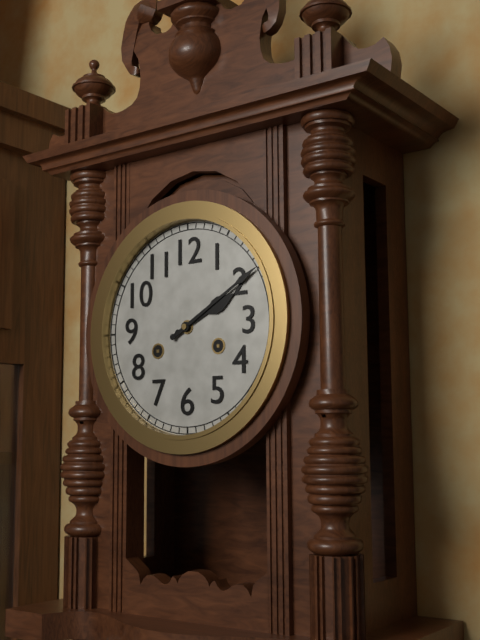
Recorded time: 2:10
